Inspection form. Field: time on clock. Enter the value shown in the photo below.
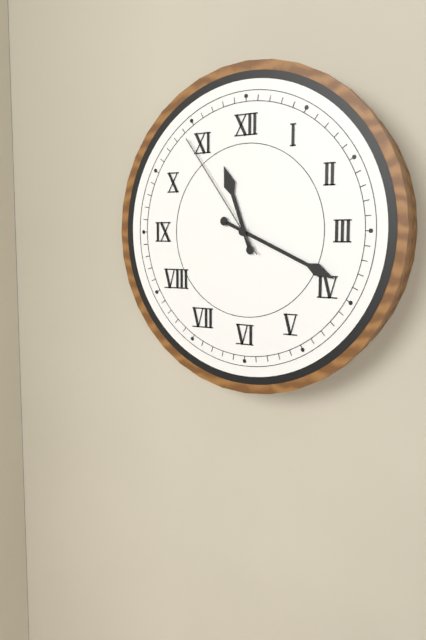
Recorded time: 11:19:54
